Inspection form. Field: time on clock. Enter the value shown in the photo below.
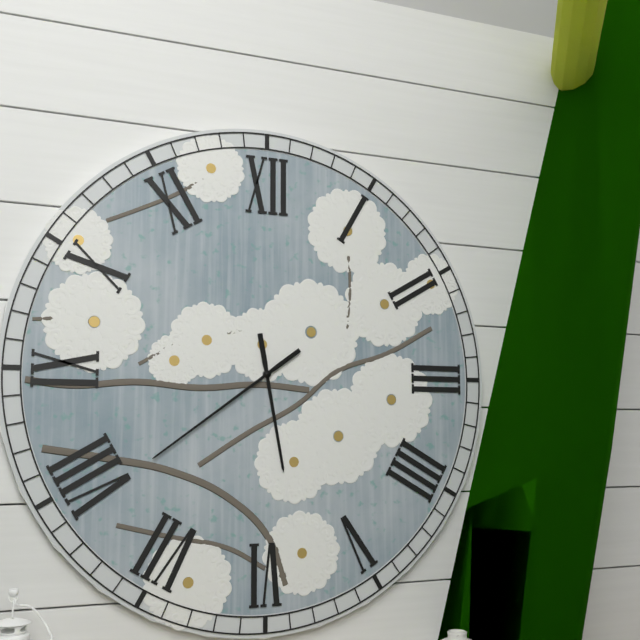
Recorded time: 5:39
